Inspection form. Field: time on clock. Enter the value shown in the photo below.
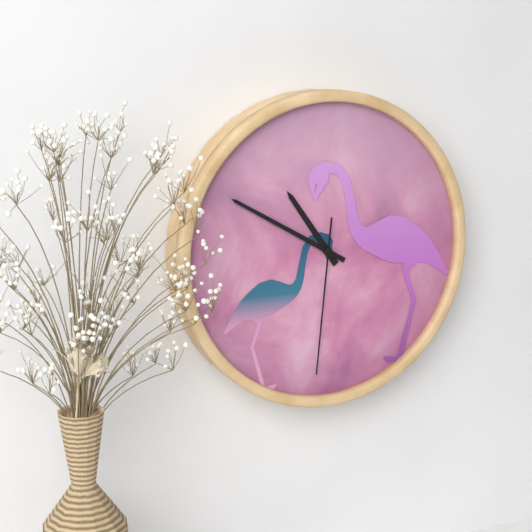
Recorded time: 10:50:31
